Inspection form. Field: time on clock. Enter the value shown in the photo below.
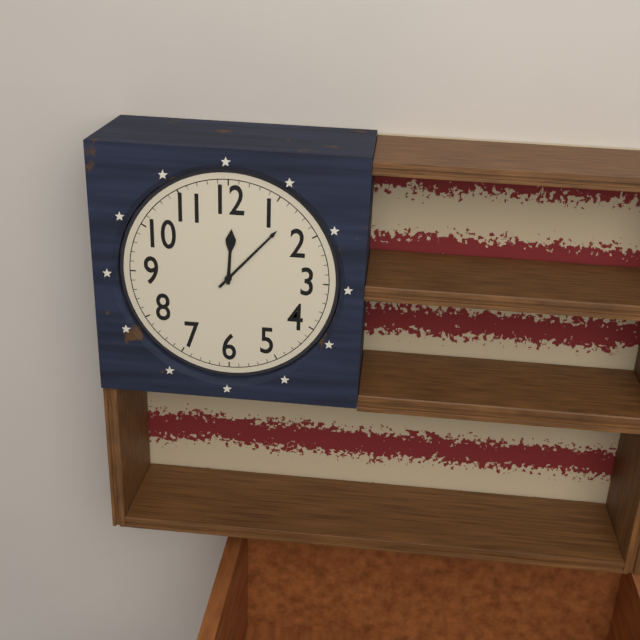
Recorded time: 12:07
